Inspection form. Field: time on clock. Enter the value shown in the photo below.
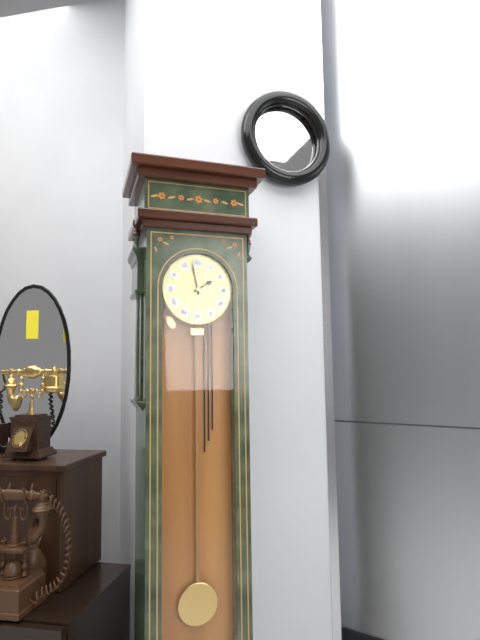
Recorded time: 1:58
